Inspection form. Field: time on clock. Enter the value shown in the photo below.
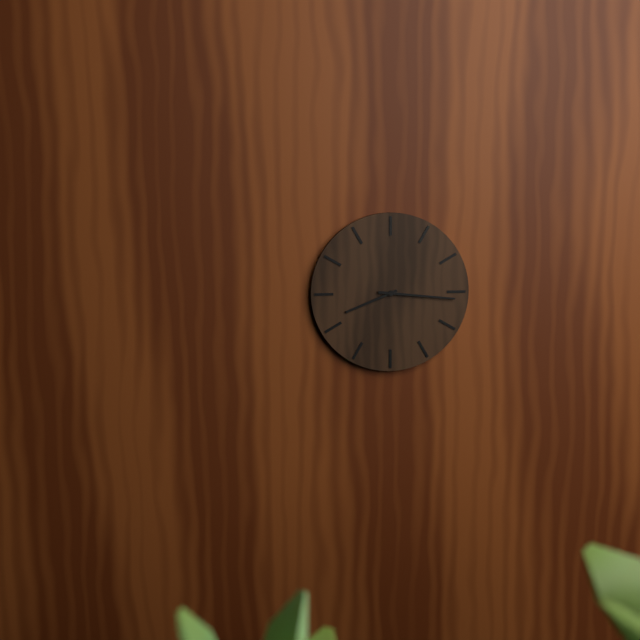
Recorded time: 8:16
